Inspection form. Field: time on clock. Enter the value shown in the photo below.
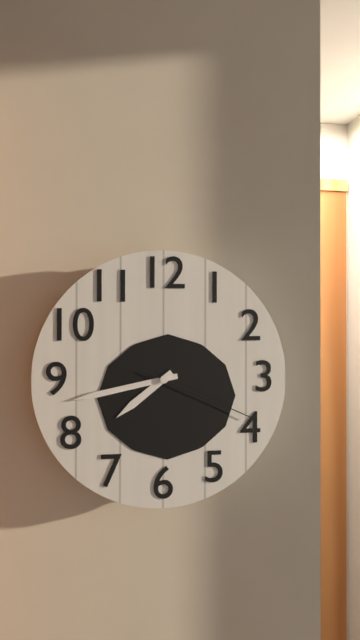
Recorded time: 7:43:19
